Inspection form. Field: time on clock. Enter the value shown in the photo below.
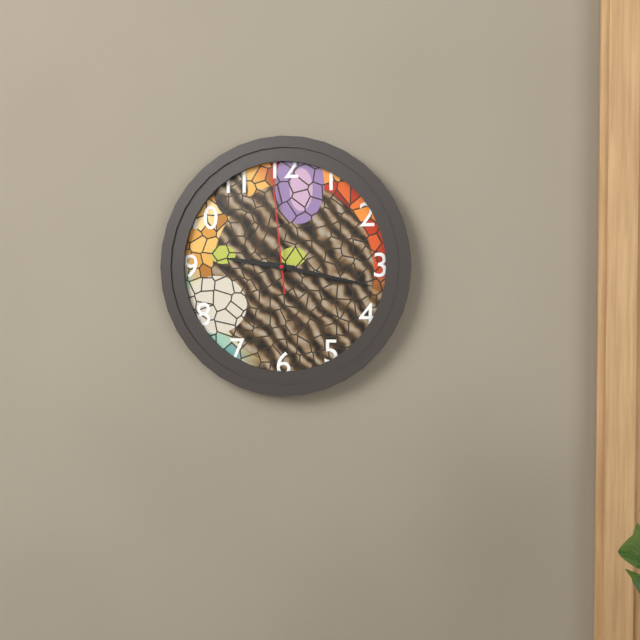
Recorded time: 9:17:59
